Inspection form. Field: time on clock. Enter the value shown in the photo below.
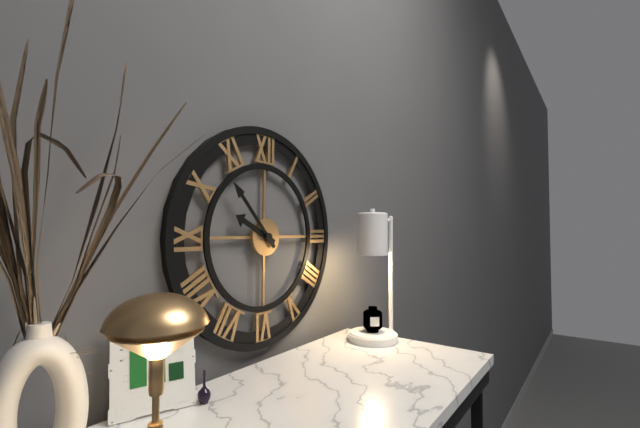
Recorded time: 9:53
